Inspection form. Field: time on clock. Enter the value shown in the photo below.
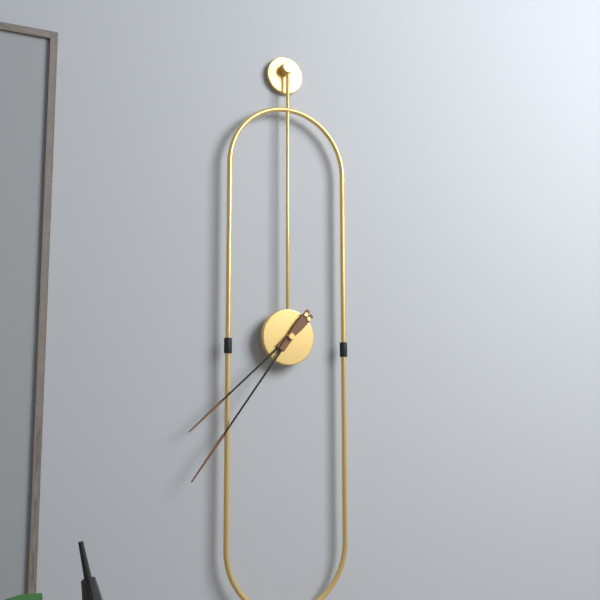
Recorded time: 7:36
